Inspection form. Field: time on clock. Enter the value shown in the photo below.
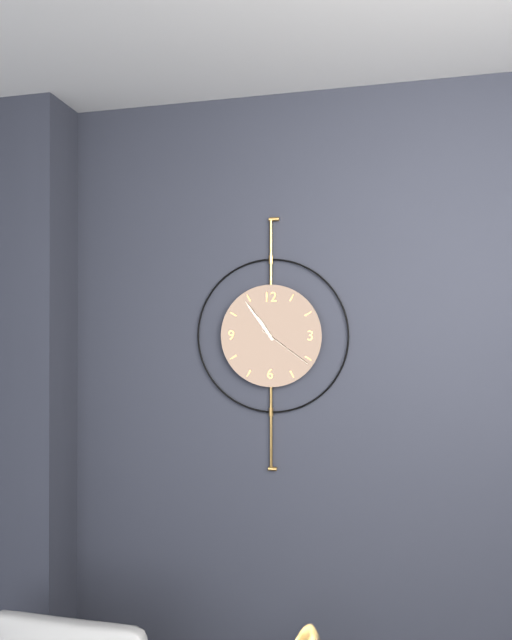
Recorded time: 10:54:21
